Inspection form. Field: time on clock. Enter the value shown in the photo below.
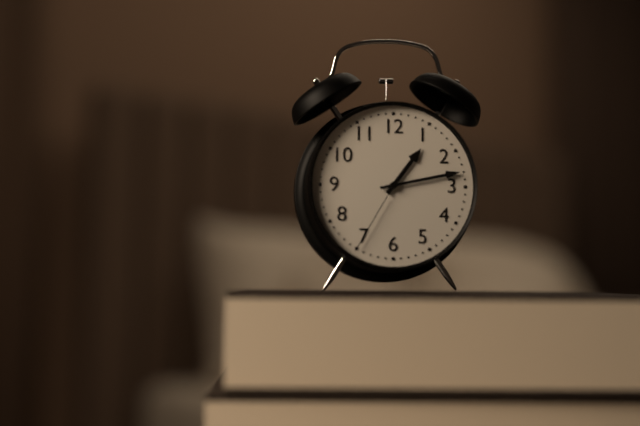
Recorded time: 1:13:35
